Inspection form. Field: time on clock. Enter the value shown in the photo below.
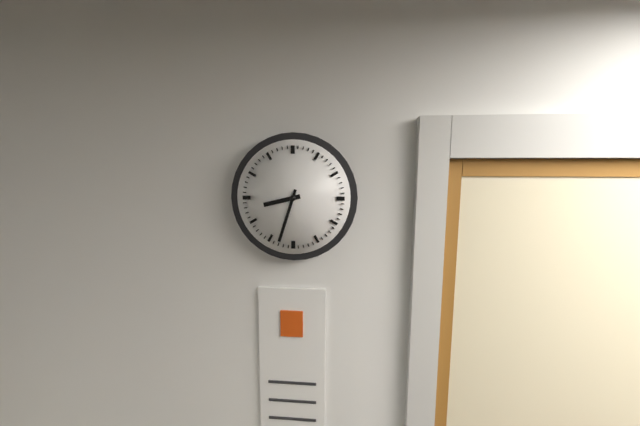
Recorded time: 8:33
